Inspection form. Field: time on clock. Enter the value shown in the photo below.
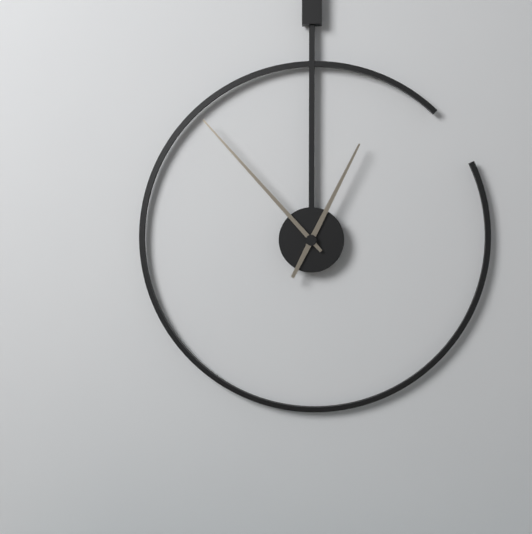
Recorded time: 12:53
